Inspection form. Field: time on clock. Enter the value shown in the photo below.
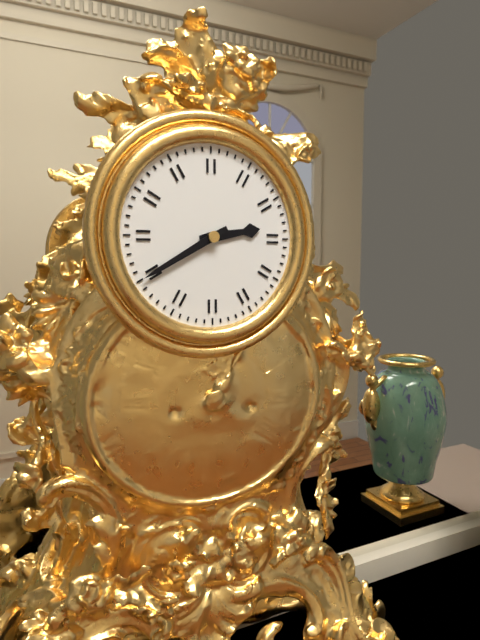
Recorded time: 2:40
